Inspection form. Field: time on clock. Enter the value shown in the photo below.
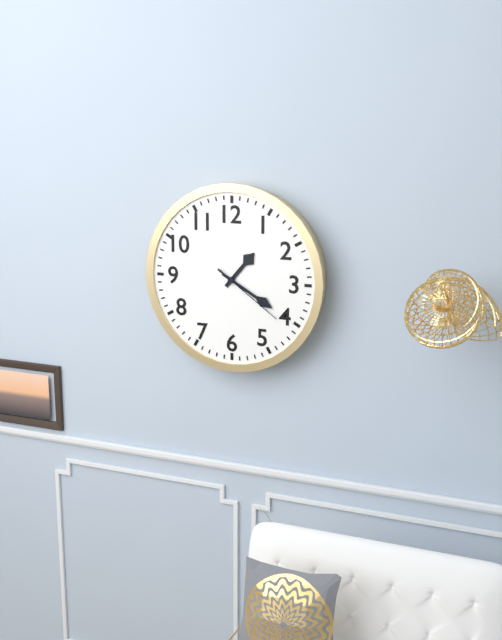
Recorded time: 1:20:21
